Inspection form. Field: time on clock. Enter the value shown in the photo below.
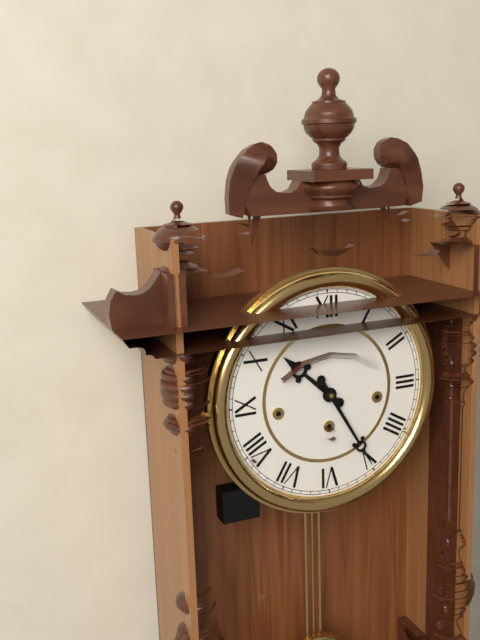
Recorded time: 10:25
